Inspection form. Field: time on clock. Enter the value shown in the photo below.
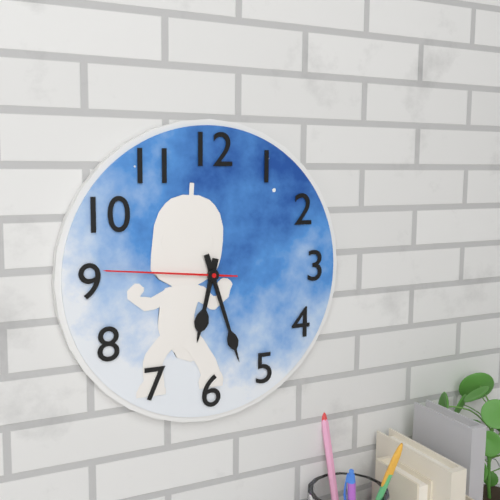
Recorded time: 6:27:46
